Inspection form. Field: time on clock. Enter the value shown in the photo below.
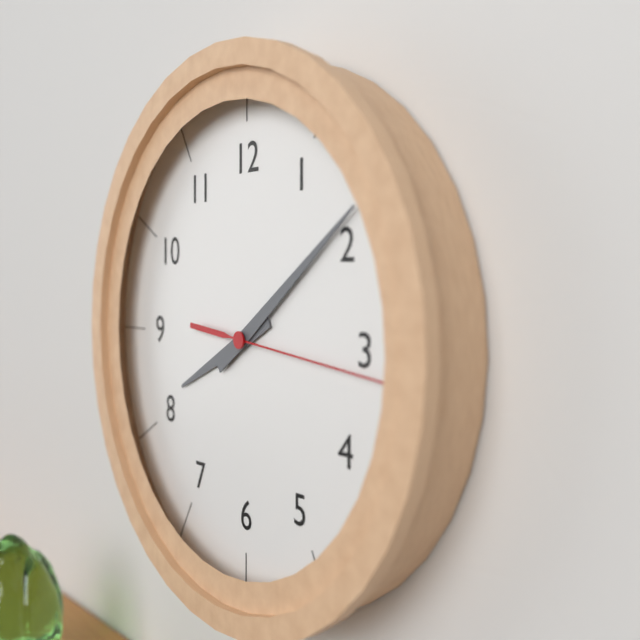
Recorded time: 8:09:16
